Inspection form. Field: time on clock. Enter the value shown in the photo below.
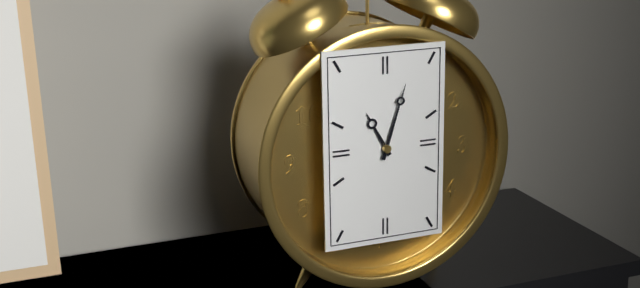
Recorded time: 11:03
